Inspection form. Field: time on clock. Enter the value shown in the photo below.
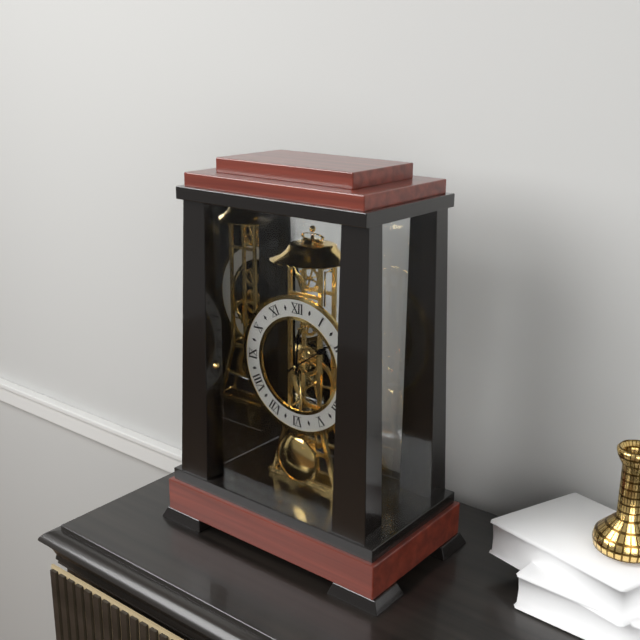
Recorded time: 12:09
